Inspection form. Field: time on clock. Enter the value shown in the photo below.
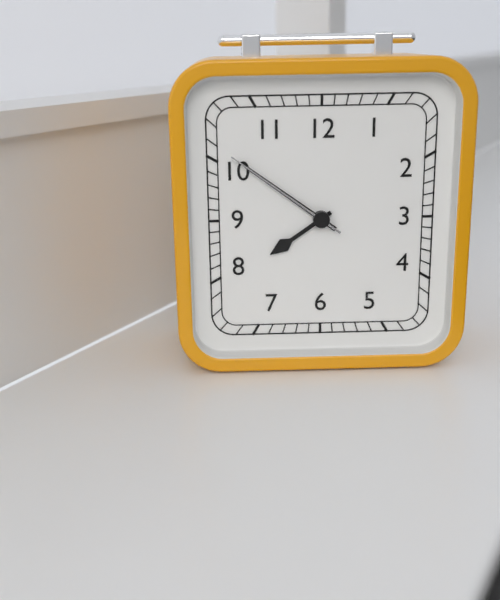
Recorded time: 7:51:51
